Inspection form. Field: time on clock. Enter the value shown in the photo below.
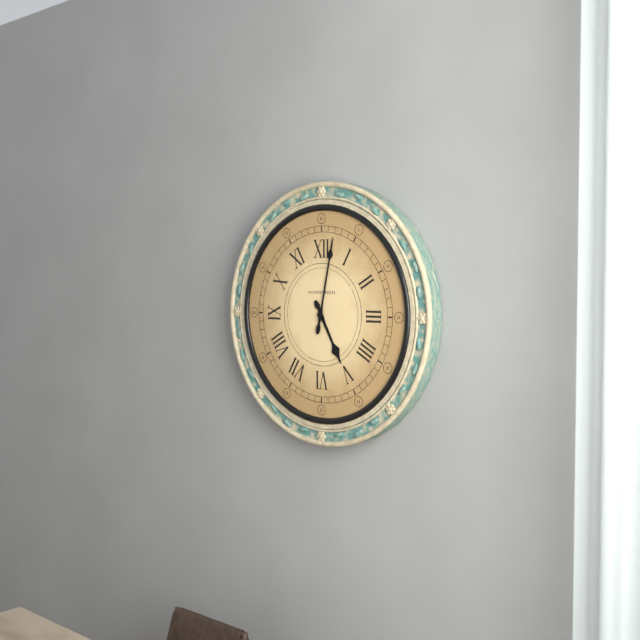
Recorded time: 5:02
